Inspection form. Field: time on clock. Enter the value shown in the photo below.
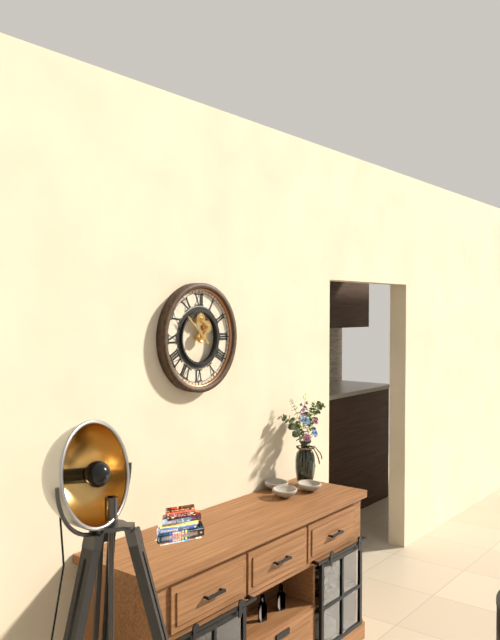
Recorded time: 10:52
